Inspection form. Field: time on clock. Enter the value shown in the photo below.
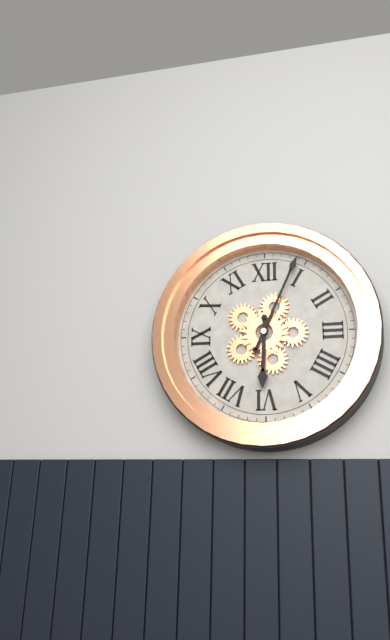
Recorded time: 6:04
